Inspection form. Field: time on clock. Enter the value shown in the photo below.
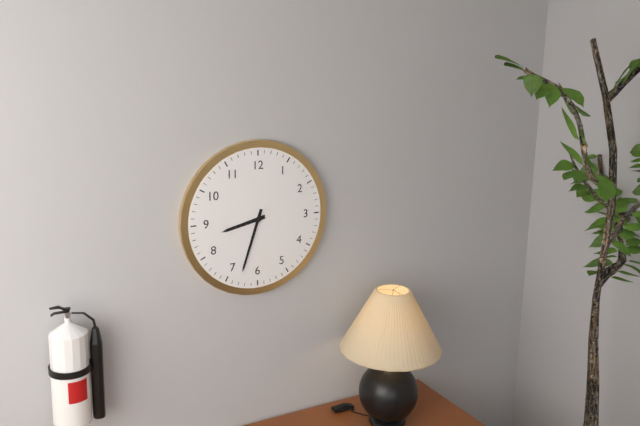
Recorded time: 8:33
